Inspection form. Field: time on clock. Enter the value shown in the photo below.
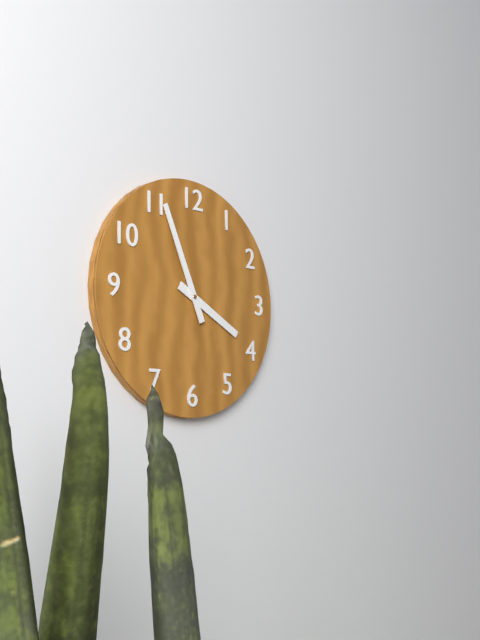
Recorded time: 3:56
